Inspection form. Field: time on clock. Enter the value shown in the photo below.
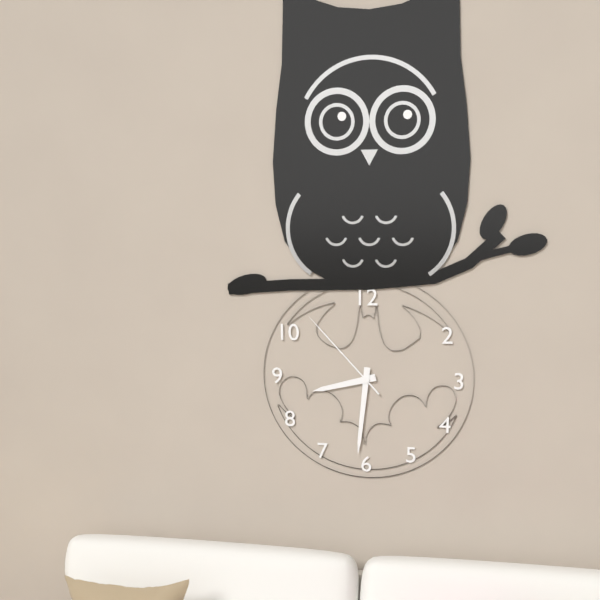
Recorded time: 8:31:53
